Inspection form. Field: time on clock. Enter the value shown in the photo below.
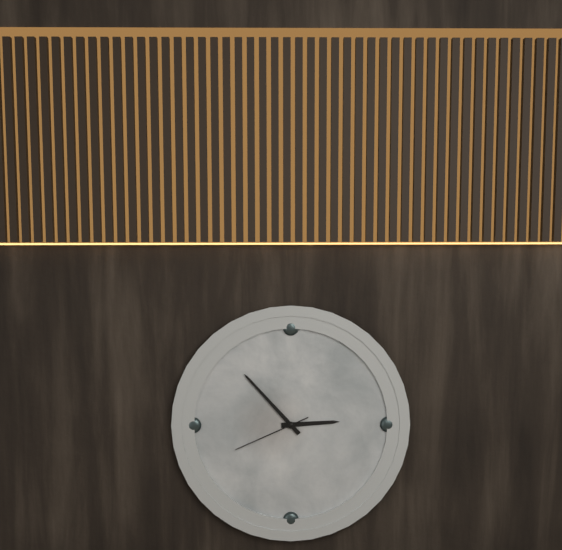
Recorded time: 2:53:41
